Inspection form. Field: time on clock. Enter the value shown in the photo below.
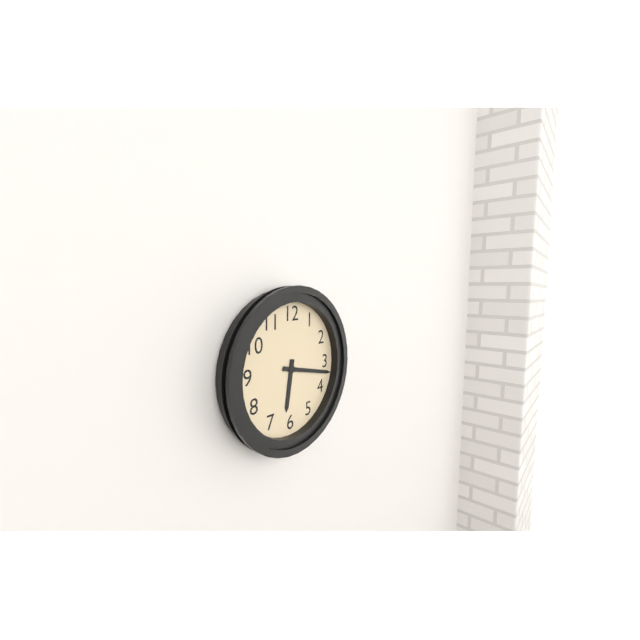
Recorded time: 6:17
